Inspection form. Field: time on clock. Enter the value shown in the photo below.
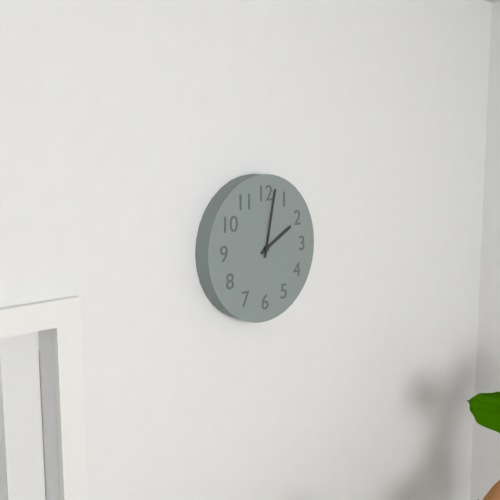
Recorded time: 2:02
